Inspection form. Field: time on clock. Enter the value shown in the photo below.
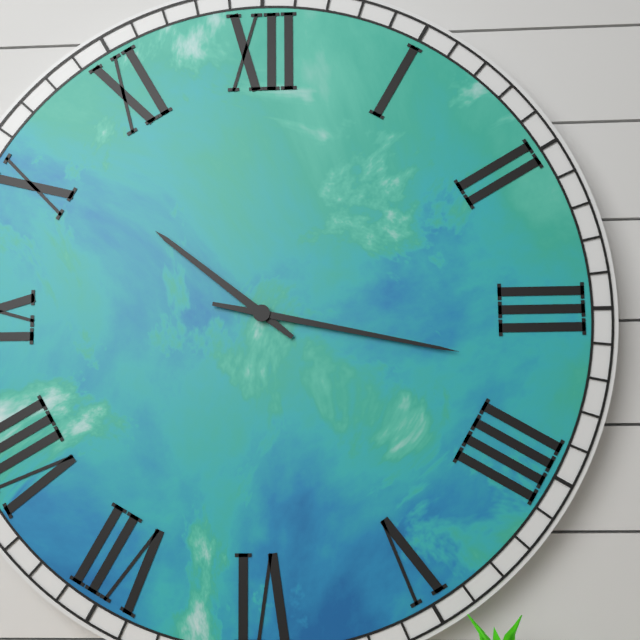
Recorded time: 10:17
